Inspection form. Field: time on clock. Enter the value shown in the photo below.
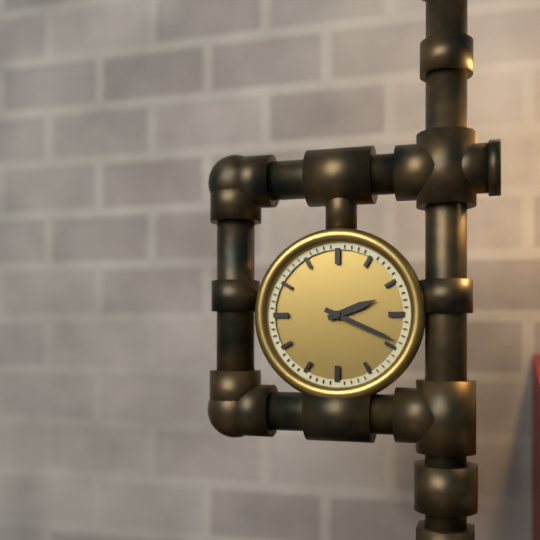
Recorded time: 2:19
